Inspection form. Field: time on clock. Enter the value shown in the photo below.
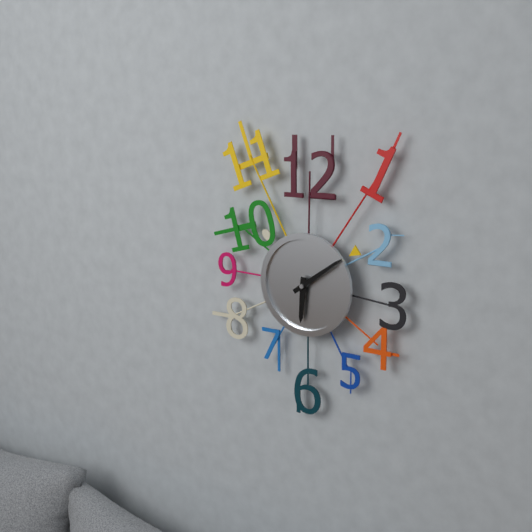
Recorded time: 6:09
